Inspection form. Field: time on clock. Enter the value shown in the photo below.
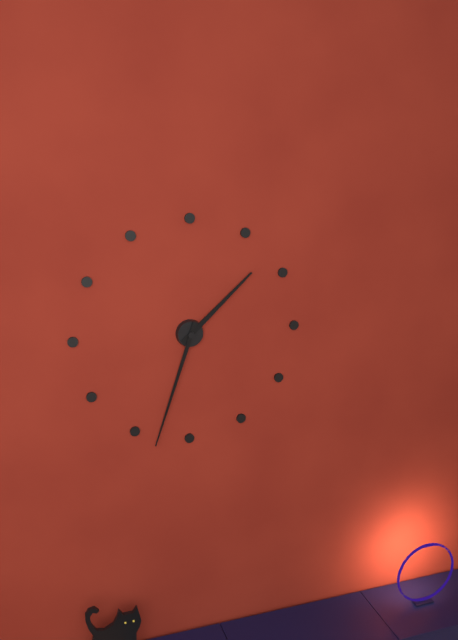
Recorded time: 1:33
